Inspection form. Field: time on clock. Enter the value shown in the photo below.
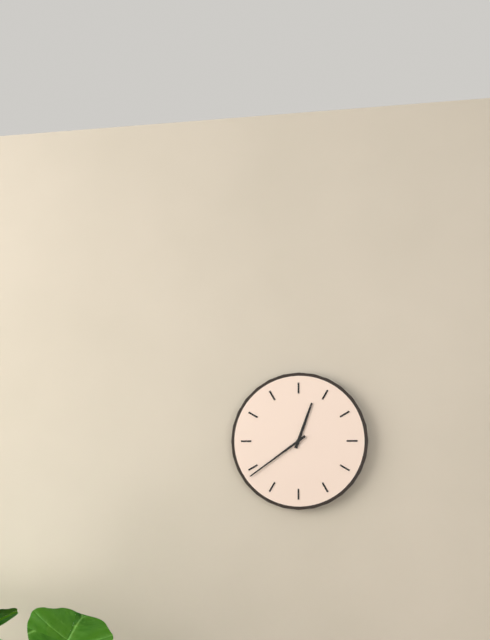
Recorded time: 12:39
